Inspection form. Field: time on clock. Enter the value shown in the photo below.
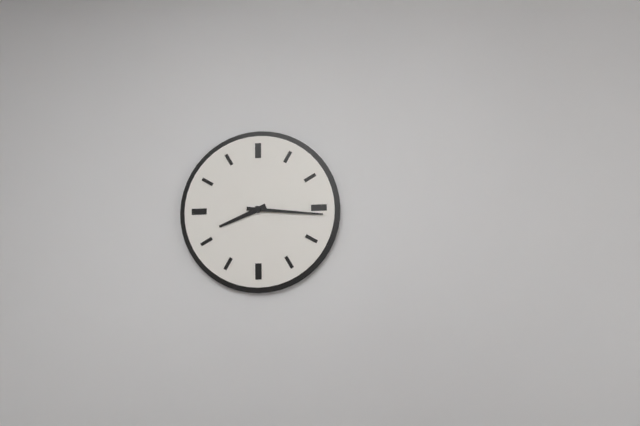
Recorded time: 8:16
